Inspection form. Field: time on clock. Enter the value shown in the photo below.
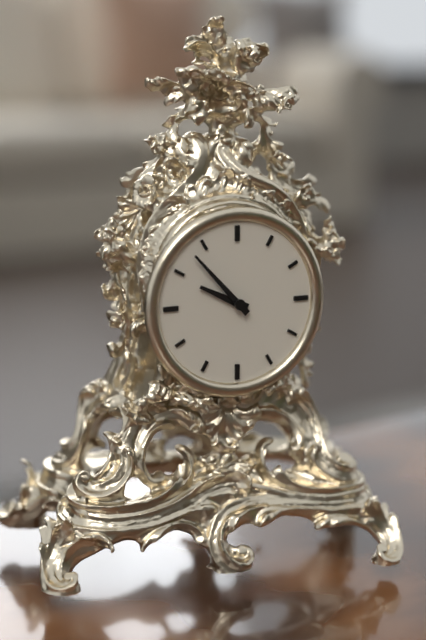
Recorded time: 9:53
